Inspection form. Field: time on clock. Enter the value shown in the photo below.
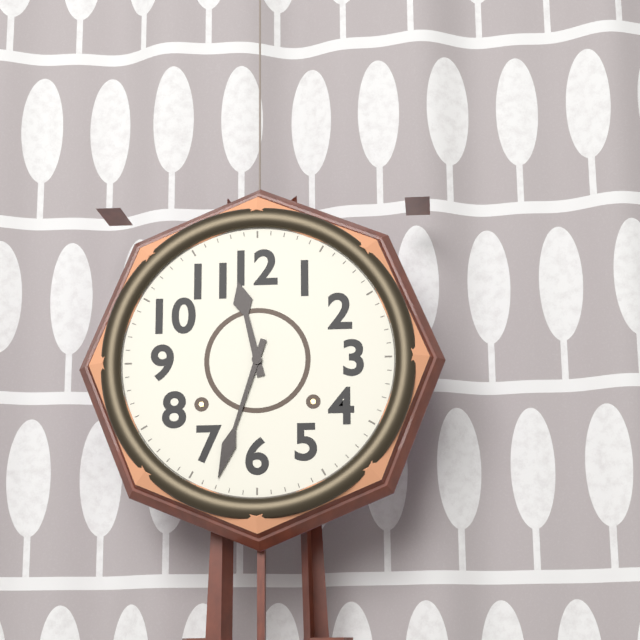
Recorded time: 11:33
